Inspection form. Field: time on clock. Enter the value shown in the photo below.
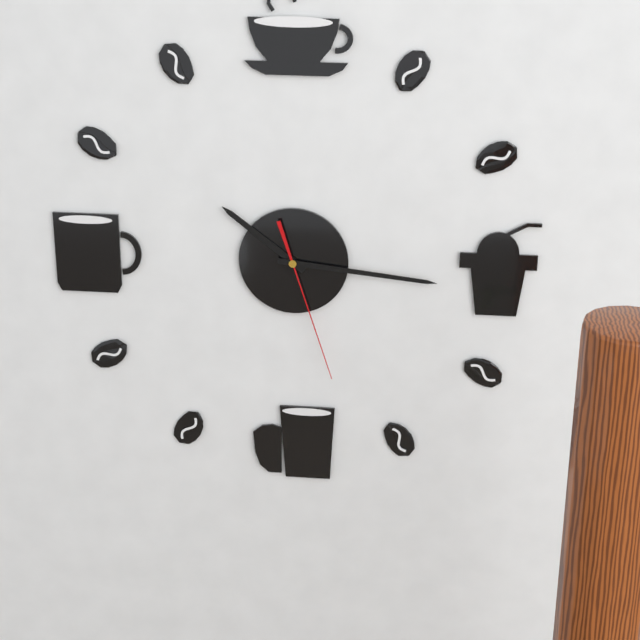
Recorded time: 10:16:27
